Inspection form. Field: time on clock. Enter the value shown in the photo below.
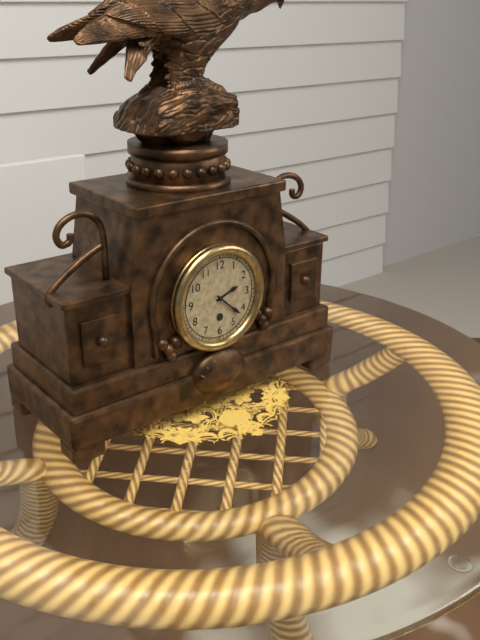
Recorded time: 2:22
